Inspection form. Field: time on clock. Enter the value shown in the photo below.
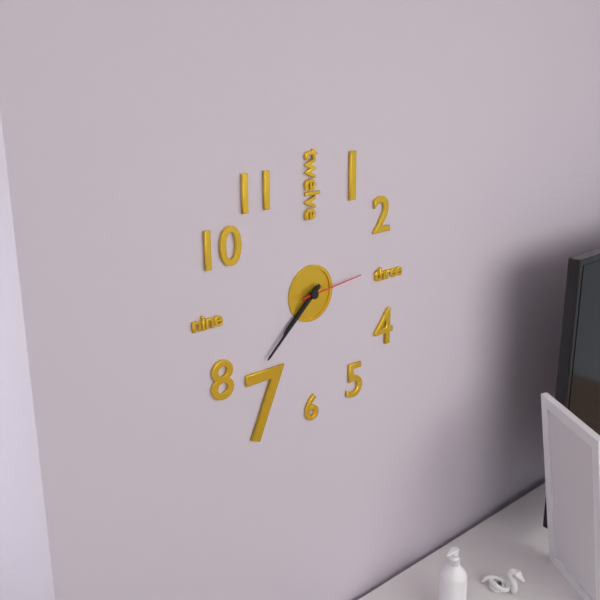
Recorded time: 7:38:14
